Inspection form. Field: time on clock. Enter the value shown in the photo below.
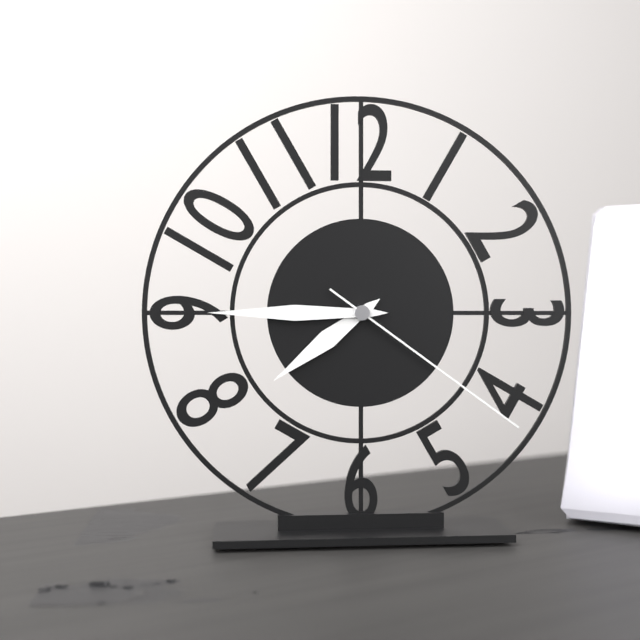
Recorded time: 7:45:21
